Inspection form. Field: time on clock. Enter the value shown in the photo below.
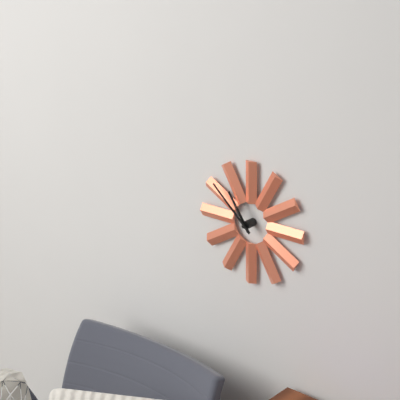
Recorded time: 10:52
